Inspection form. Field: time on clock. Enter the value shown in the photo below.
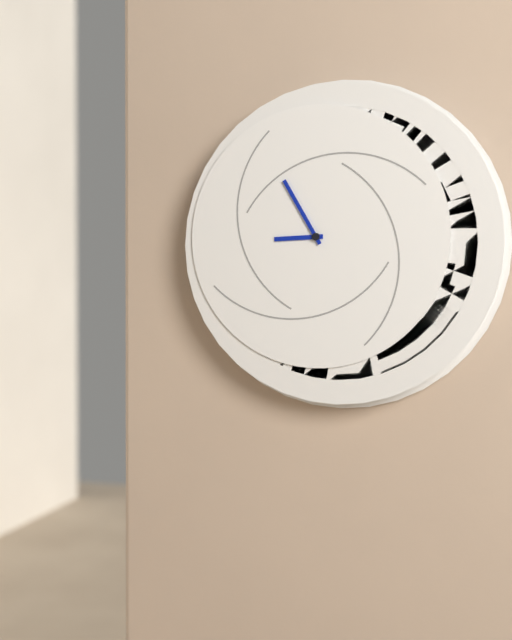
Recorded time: 8:55
